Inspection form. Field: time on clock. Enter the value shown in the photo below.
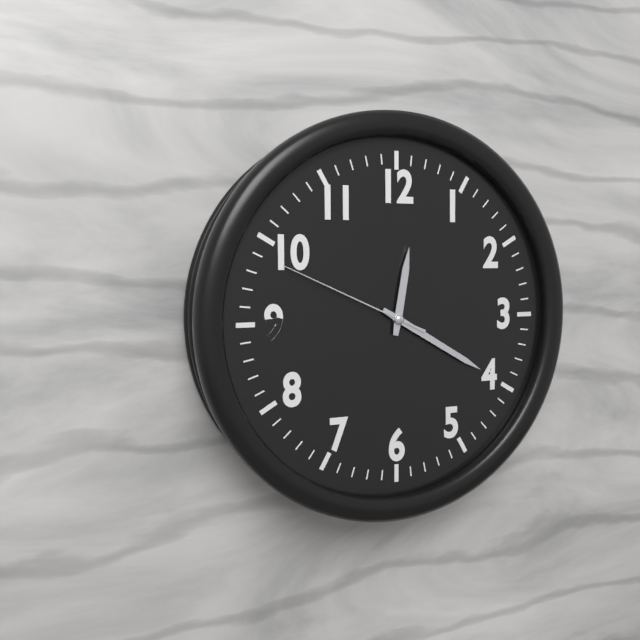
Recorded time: 12:20:49
